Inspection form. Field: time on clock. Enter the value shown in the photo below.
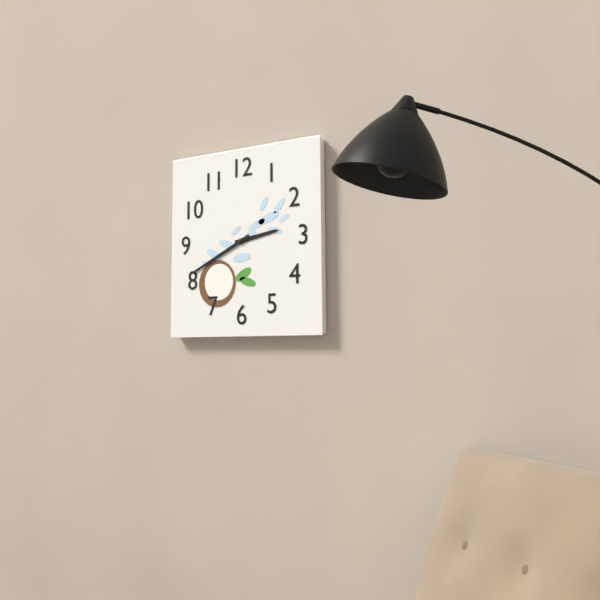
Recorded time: 2:41
